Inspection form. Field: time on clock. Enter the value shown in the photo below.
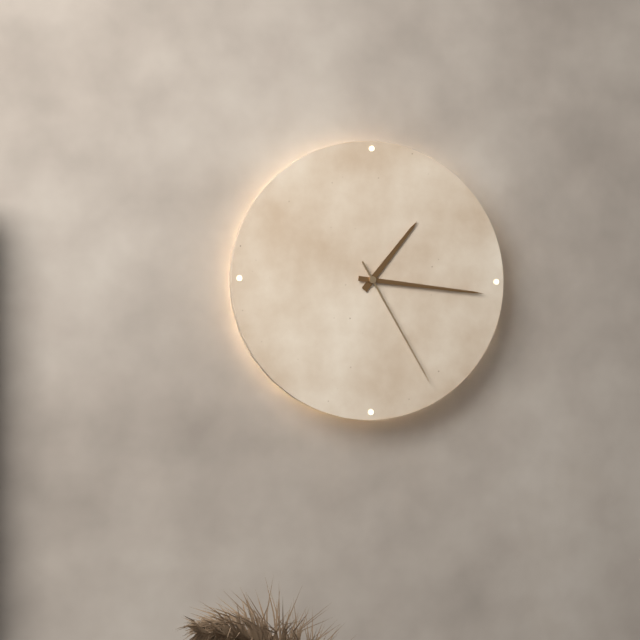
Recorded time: 1:16:25
